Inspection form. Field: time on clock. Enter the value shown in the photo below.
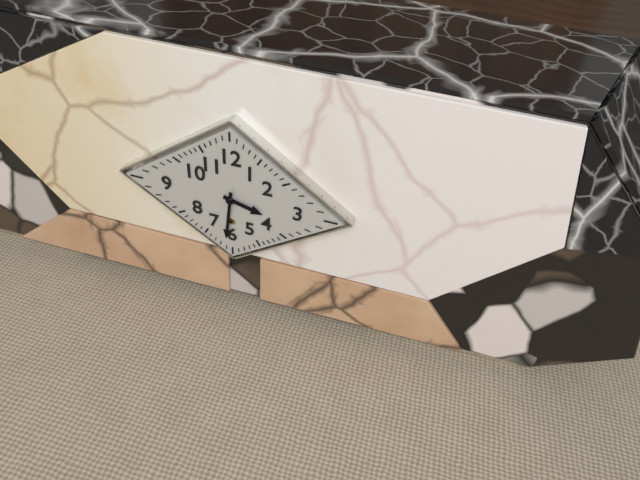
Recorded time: 3:31
